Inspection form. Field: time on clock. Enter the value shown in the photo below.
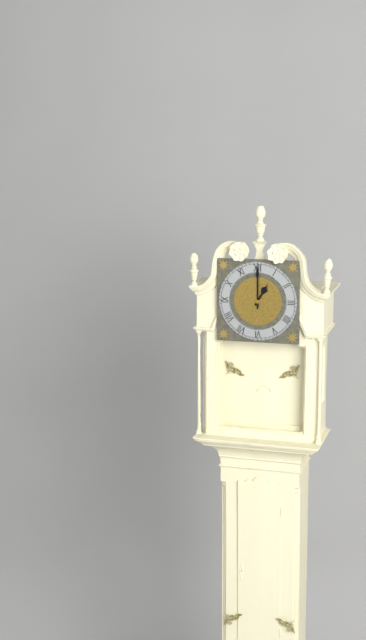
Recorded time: 1:00
